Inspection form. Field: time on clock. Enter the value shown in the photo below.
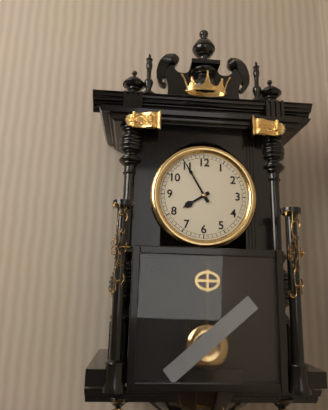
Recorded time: 7:55
